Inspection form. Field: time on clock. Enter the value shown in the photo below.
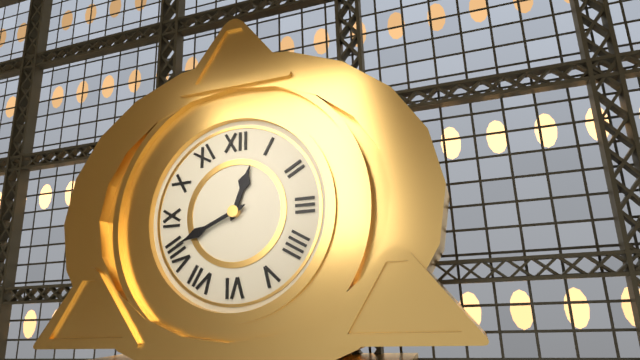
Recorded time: 12:41
